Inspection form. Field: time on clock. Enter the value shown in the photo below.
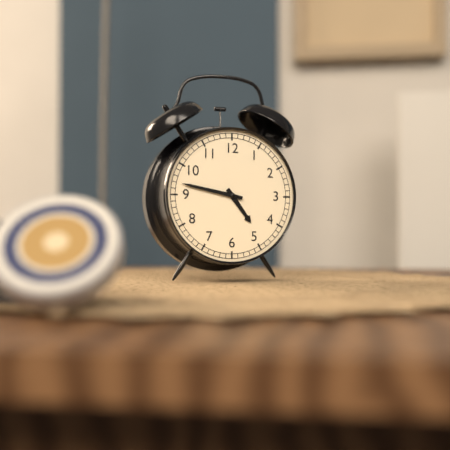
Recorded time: 4:47
